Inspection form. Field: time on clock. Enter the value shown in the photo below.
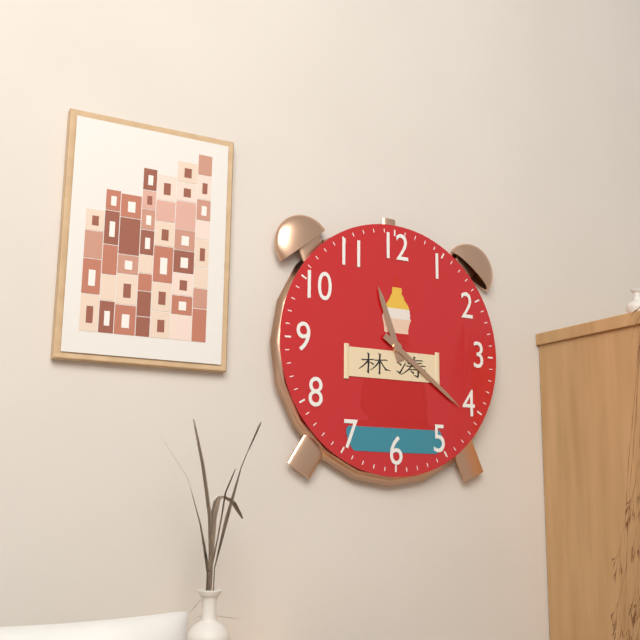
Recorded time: 11:21
